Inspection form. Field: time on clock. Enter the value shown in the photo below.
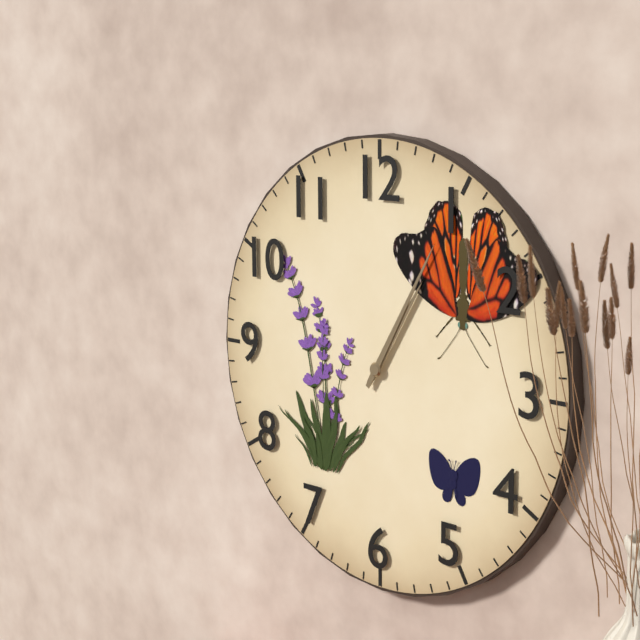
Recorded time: 1:05
